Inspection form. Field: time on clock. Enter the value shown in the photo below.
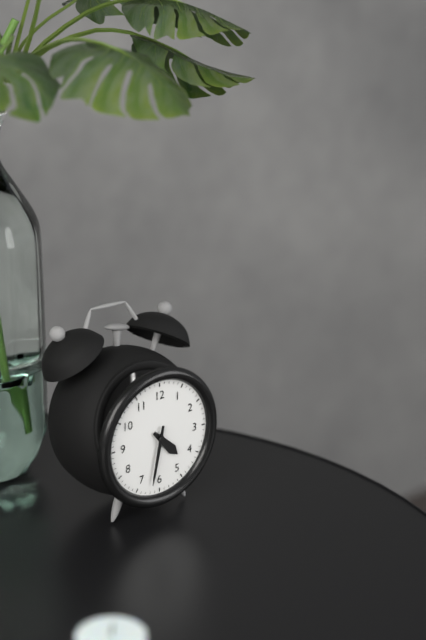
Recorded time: 4:32
